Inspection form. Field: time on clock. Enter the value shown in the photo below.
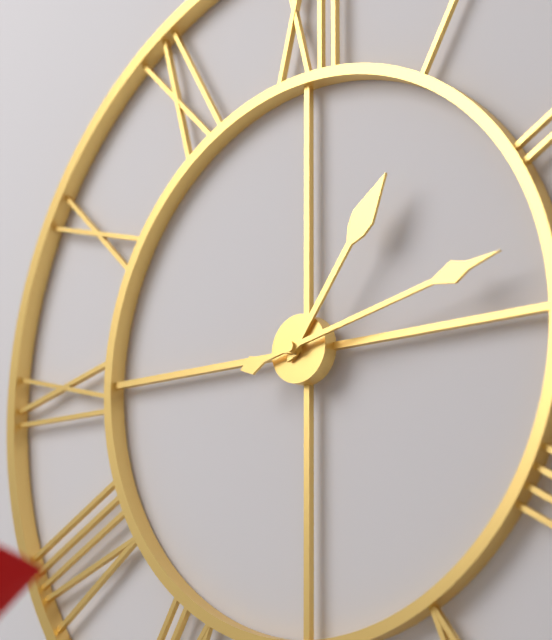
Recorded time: 1:13
